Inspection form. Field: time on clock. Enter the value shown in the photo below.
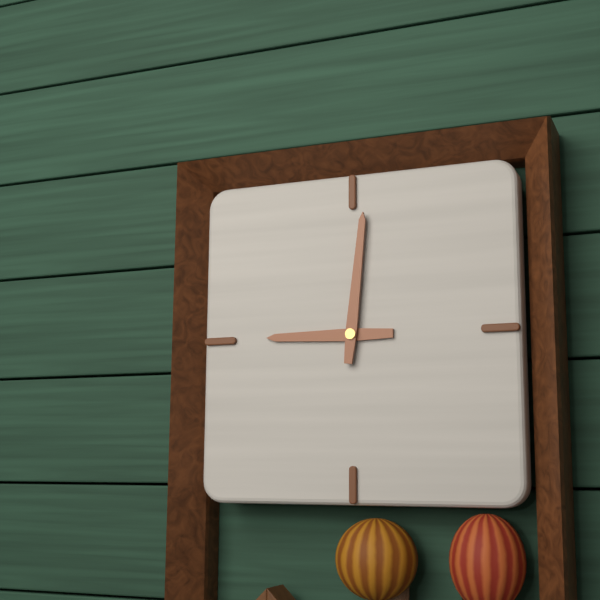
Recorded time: 9:01
